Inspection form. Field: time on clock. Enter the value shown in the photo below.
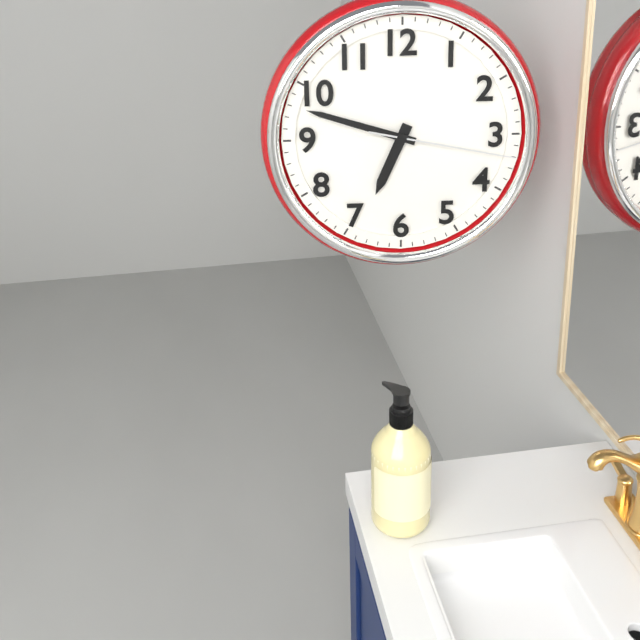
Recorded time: 6:48:17
